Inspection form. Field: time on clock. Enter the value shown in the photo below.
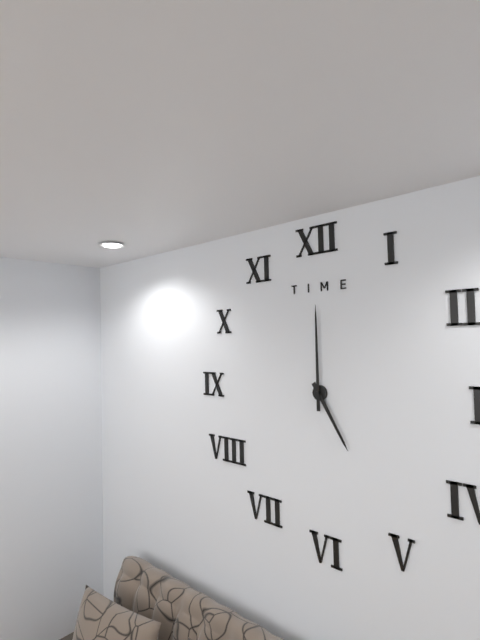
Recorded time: 5:00
